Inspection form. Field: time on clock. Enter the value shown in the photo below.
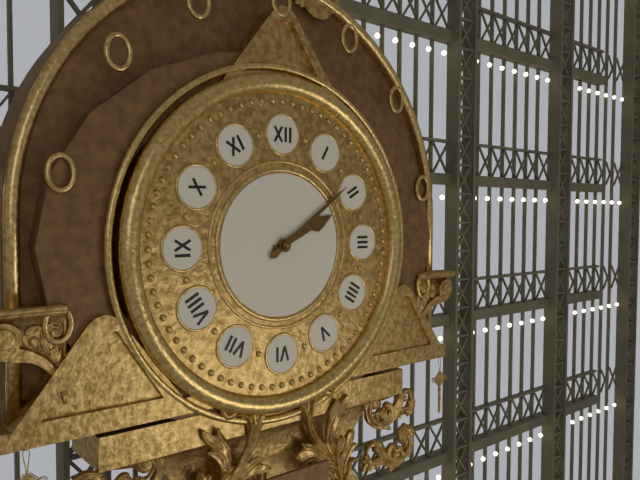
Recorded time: 2:09
